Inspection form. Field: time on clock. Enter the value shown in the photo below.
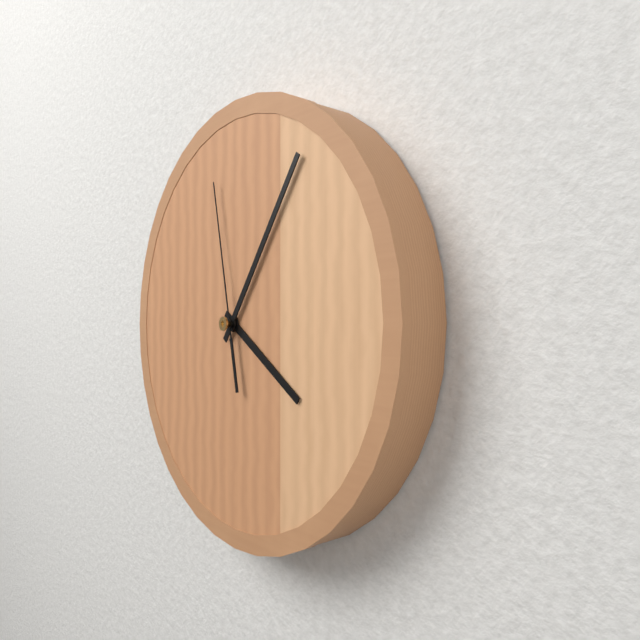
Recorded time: 4:06:58
